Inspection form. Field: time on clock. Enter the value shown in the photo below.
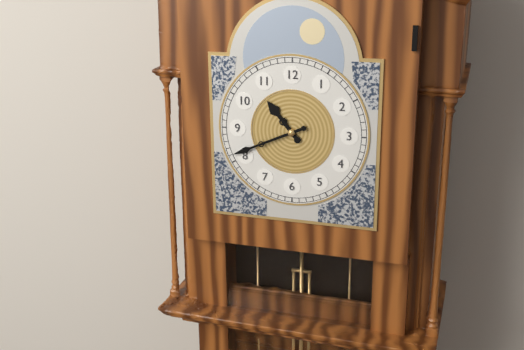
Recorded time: 10:41
